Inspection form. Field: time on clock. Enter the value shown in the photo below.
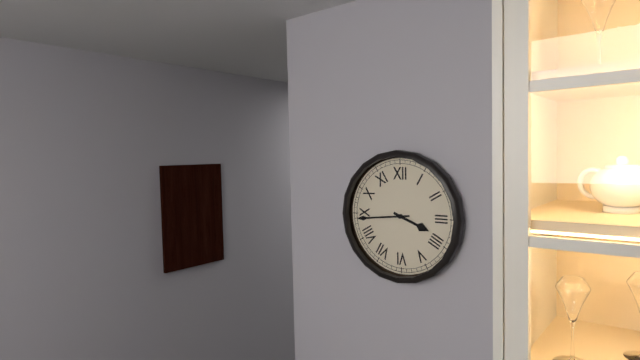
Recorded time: 3:44
